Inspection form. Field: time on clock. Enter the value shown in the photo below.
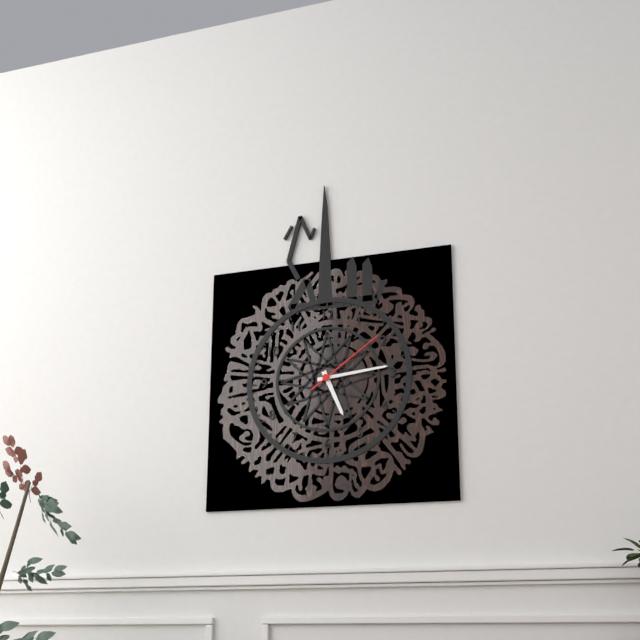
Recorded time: 5:14:09
